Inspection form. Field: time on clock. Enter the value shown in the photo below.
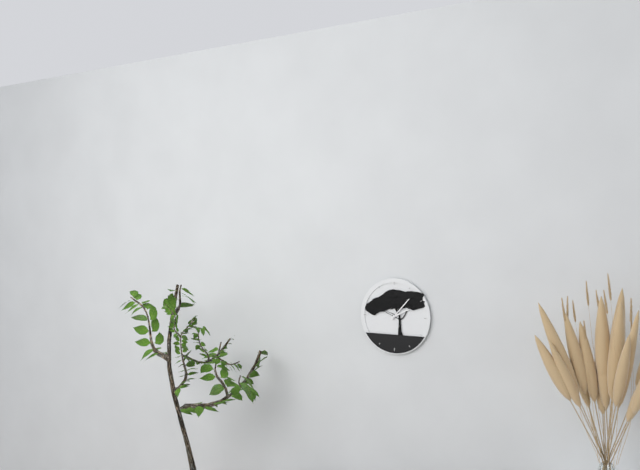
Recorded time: 2:07
